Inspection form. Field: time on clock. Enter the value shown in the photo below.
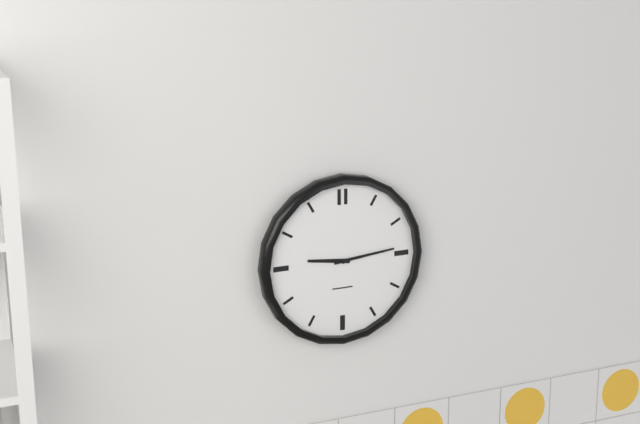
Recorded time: 9:14
